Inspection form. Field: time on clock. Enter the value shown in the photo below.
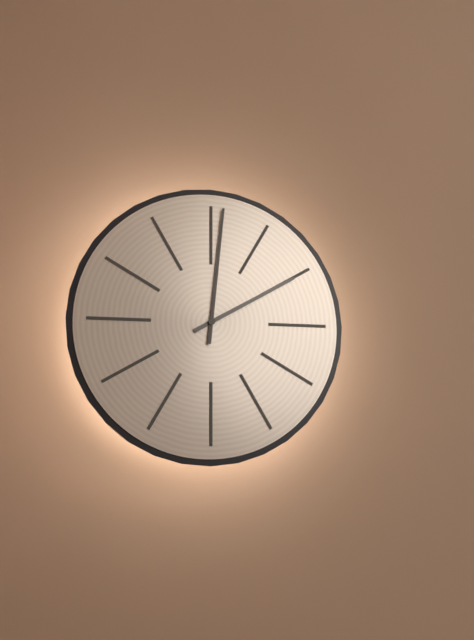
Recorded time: 2:01
